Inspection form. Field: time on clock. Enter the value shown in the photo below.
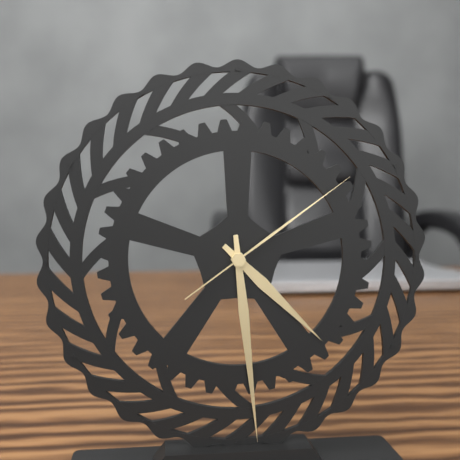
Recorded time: 4:29:09
